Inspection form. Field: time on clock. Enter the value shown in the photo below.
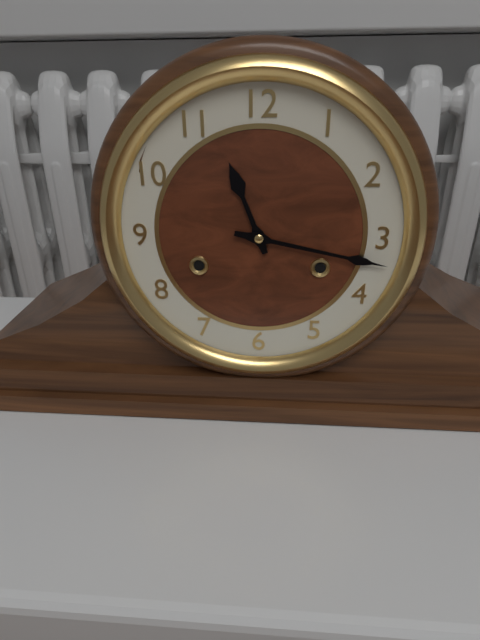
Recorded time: 11:17
